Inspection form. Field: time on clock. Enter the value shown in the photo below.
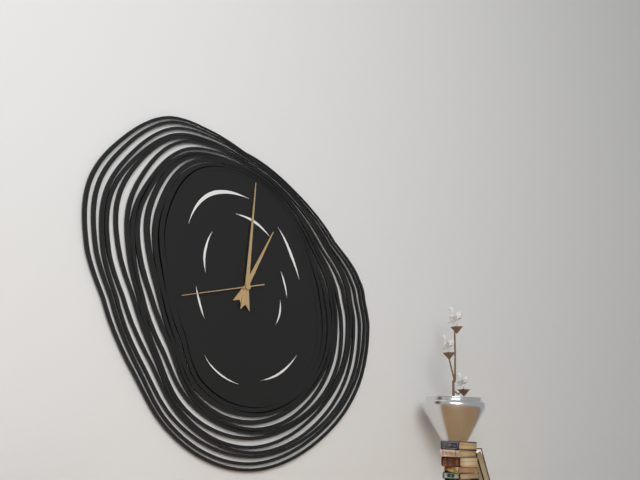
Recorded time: 1:01:43
